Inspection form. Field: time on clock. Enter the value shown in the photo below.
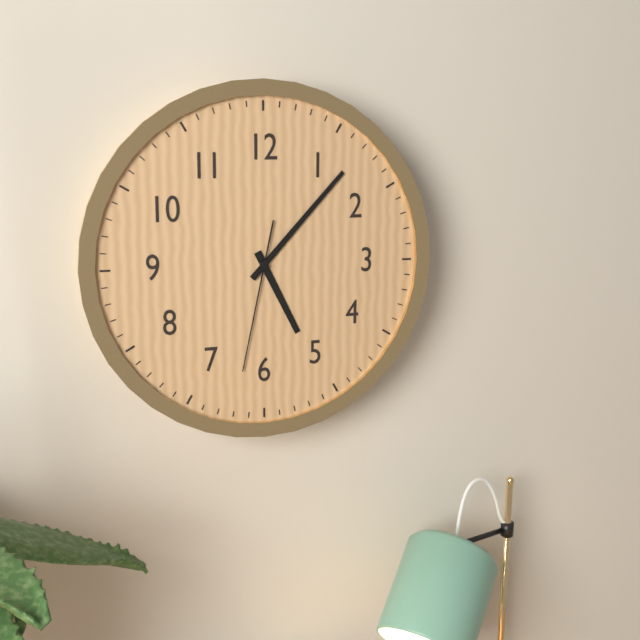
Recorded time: 5:07:32
